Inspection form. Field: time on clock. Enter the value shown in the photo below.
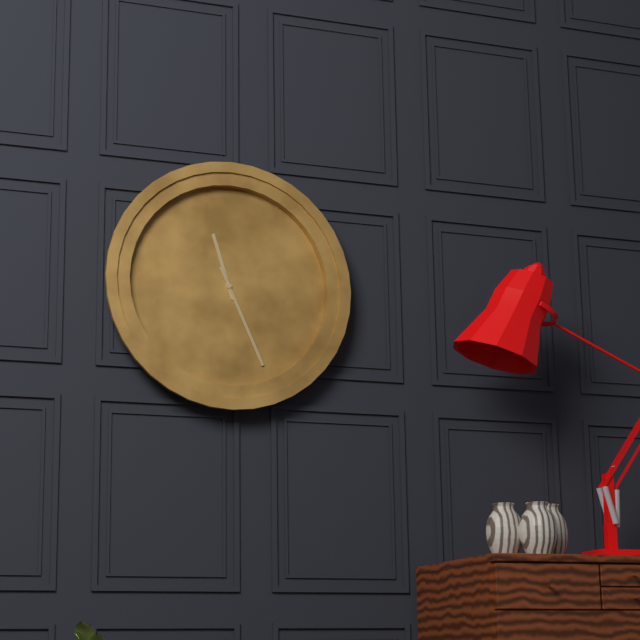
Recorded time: 11:26
